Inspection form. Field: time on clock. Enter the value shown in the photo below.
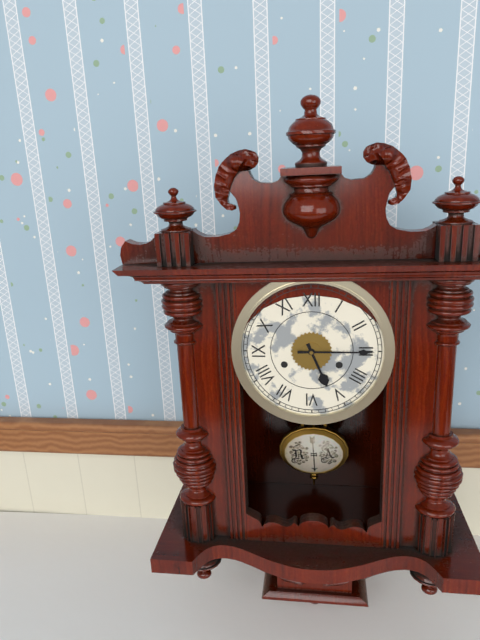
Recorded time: 5:15
